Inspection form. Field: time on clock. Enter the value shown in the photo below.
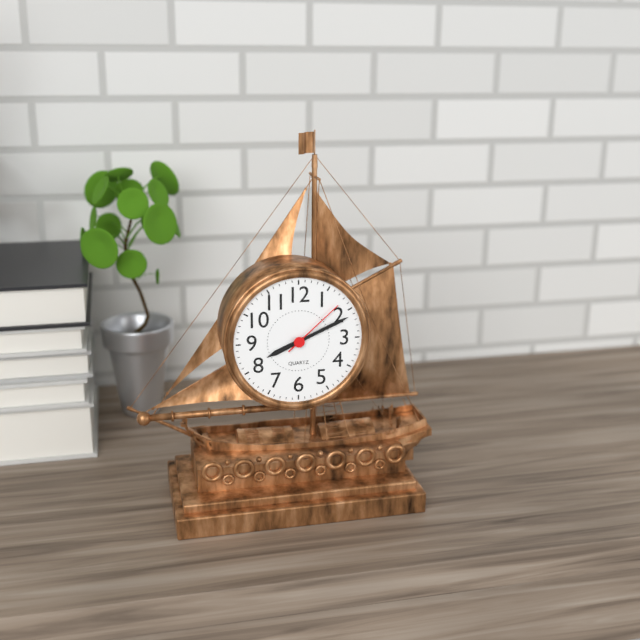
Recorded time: 8:11:08
